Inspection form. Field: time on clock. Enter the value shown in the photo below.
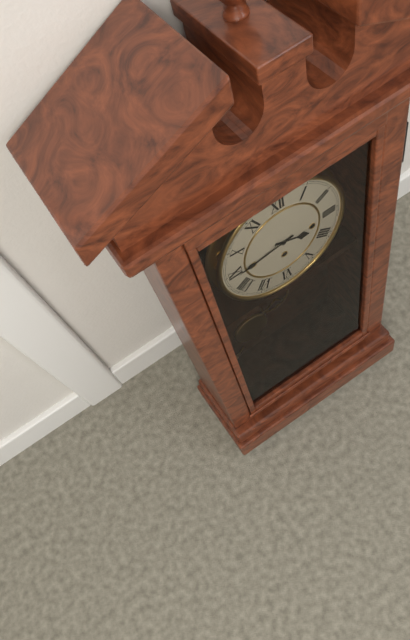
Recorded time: 3:44
